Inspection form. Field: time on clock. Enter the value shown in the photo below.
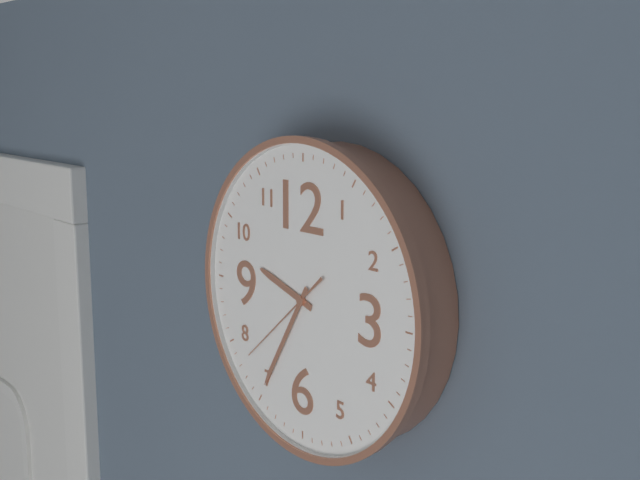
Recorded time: 9:35:38
